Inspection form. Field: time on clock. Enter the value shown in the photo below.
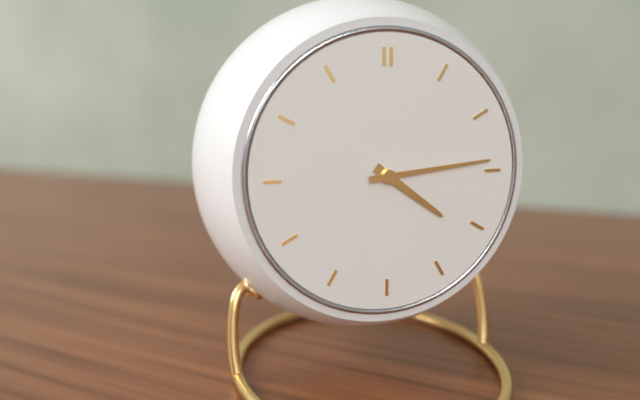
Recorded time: 4:14
